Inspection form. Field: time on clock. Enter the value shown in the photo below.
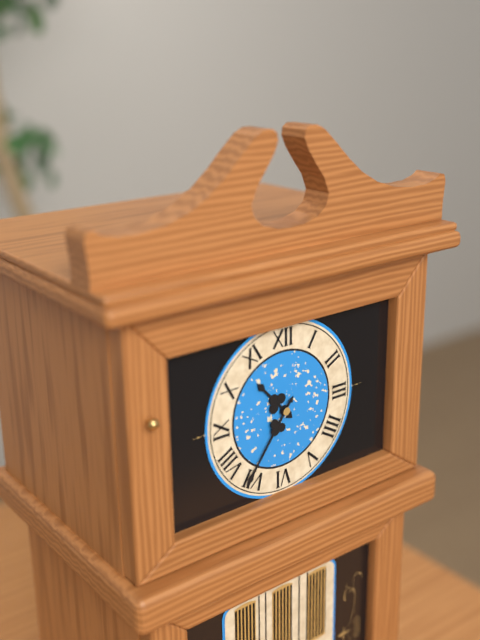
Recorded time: 10:36
